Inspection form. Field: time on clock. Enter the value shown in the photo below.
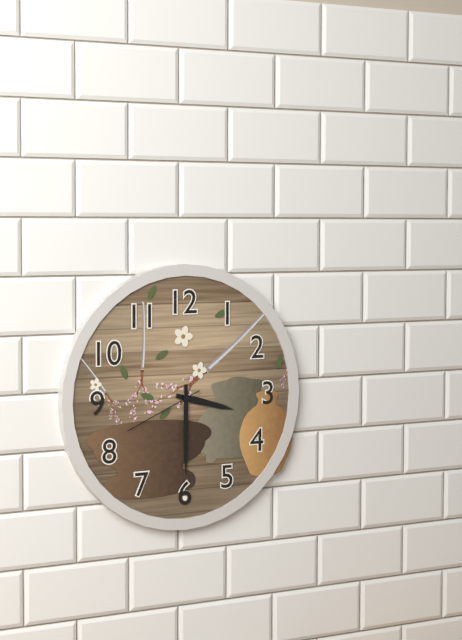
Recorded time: 3:30:41
